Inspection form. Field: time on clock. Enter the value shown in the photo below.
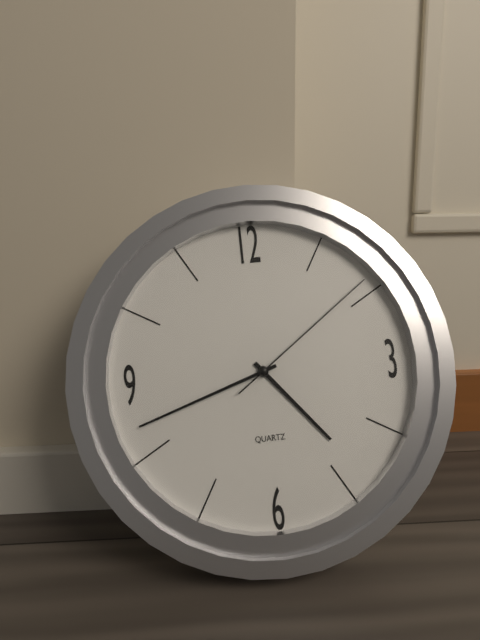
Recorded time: 4:42:09
